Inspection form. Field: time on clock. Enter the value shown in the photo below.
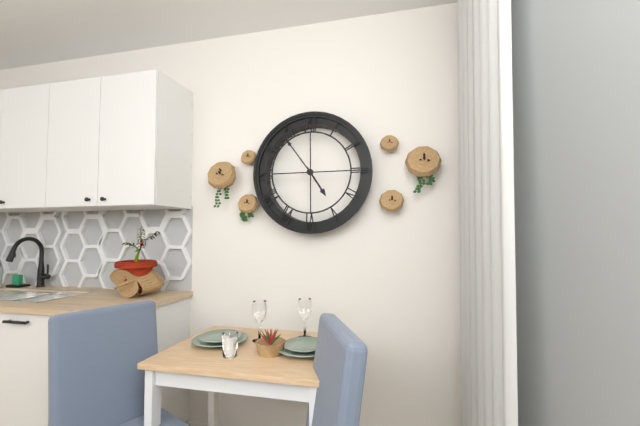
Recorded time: 4:54
